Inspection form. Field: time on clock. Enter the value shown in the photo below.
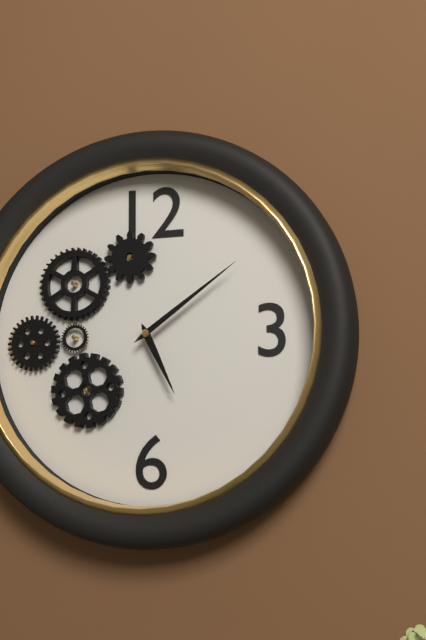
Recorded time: 5:09
